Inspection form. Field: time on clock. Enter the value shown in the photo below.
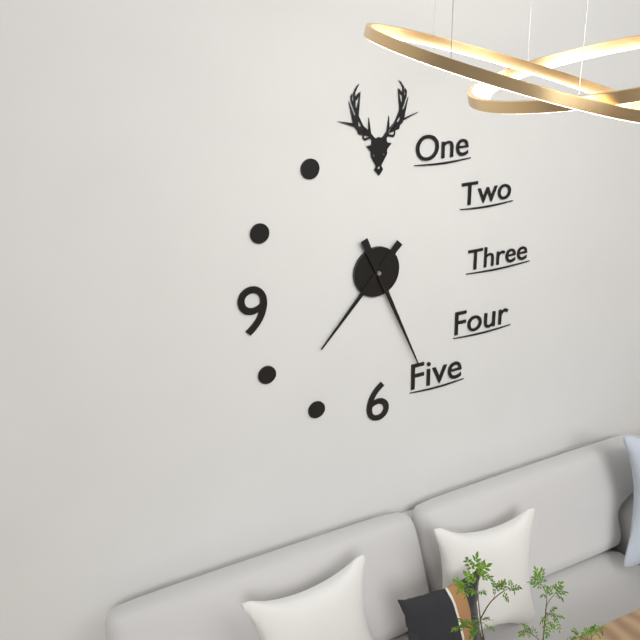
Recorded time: 7:26
